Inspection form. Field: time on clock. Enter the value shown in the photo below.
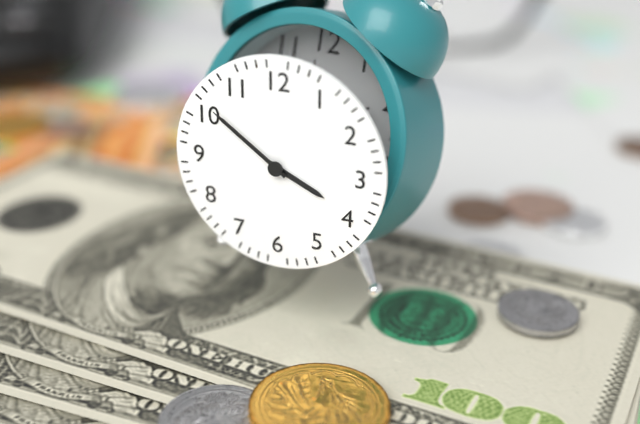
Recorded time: 3:51
